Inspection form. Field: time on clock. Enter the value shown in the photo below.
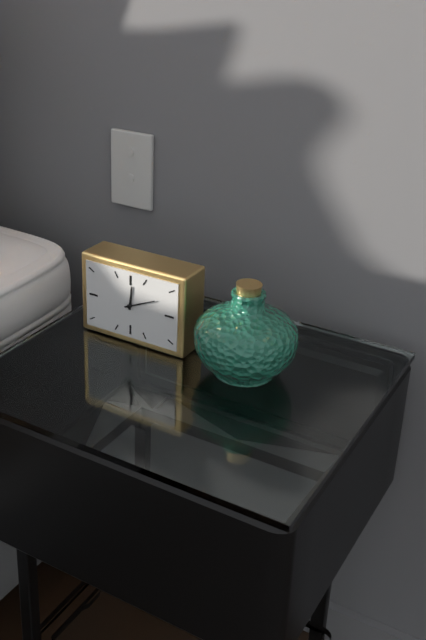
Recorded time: 12:11
